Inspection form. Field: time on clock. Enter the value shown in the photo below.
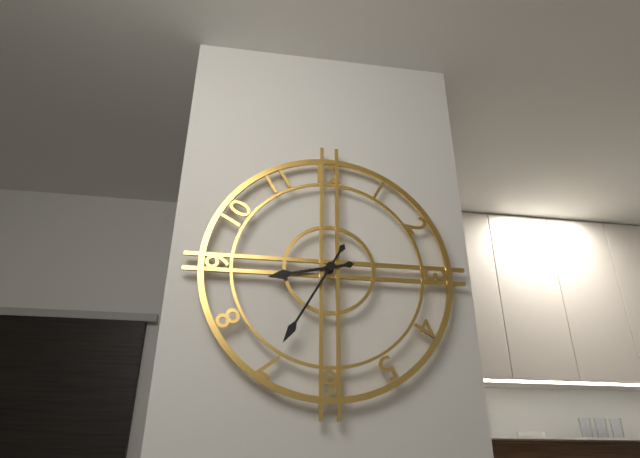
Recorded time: 8:35
